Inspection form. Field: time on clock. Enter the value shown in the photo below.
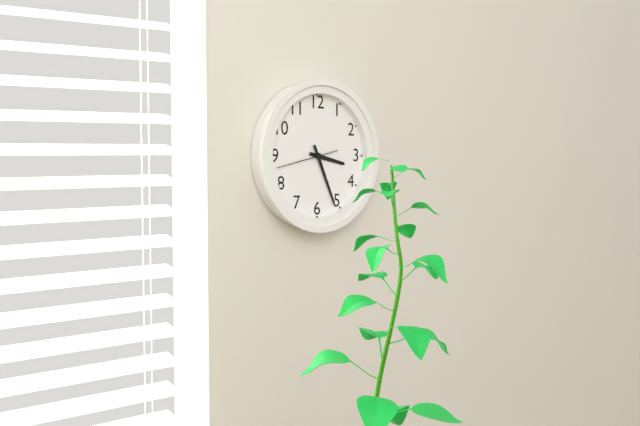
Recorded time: 3:26:43
